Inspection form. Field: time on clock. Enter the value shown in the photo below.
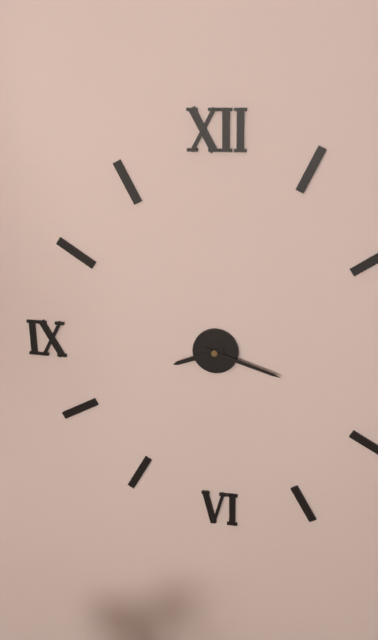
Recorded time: 8:18
